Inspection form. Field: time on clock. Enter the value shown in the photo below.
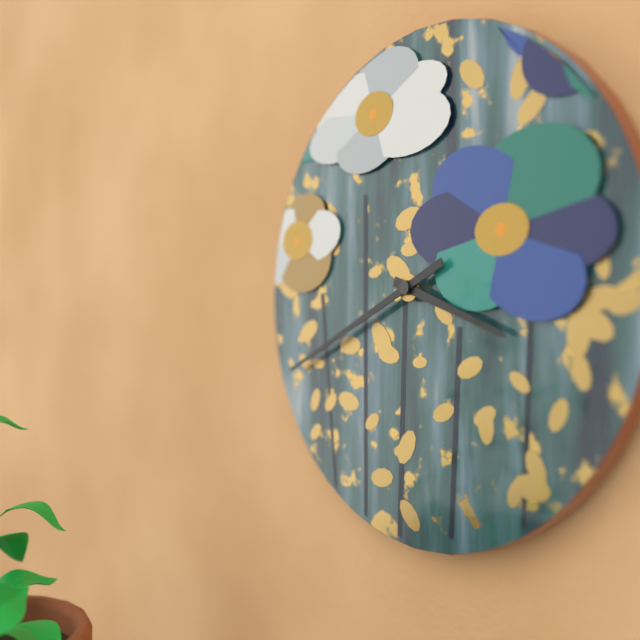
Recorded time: 3:41
